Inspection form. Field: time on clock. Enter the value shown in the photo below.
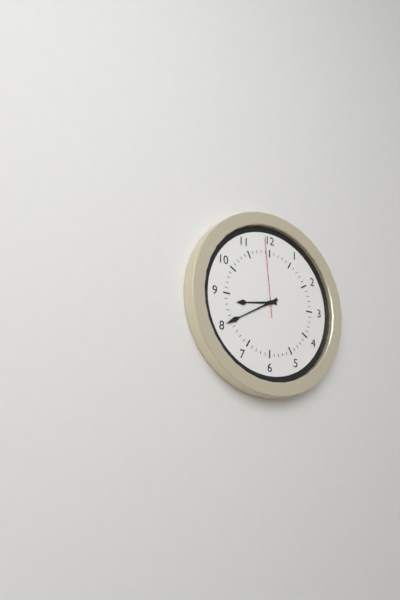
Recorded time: 8:40:59
